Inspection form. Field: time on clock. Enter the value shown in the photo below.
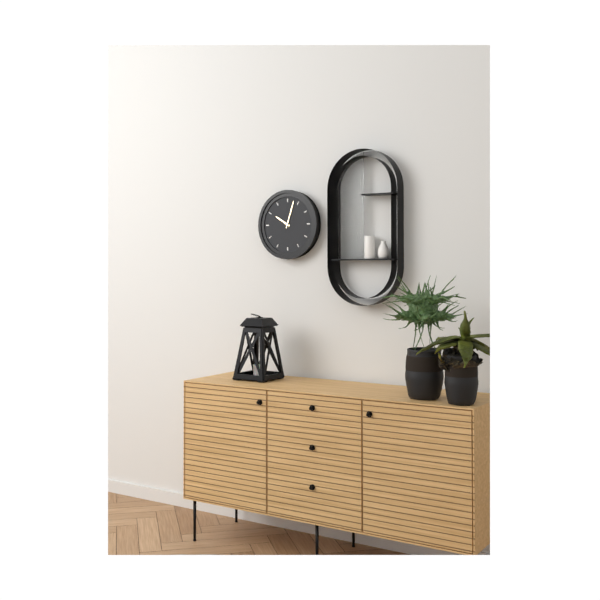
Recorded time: 10:03
